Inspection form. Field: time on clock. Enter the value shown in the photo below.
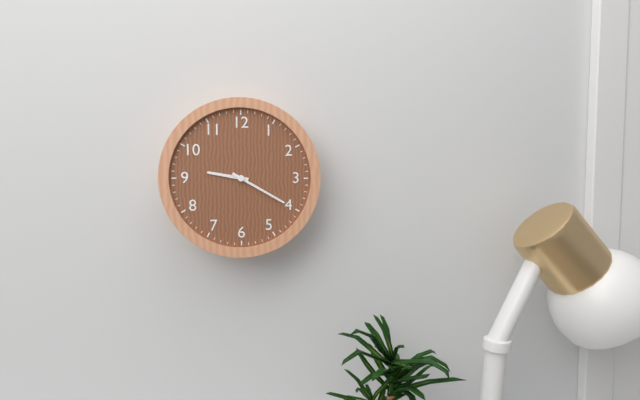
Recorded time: 9:20
